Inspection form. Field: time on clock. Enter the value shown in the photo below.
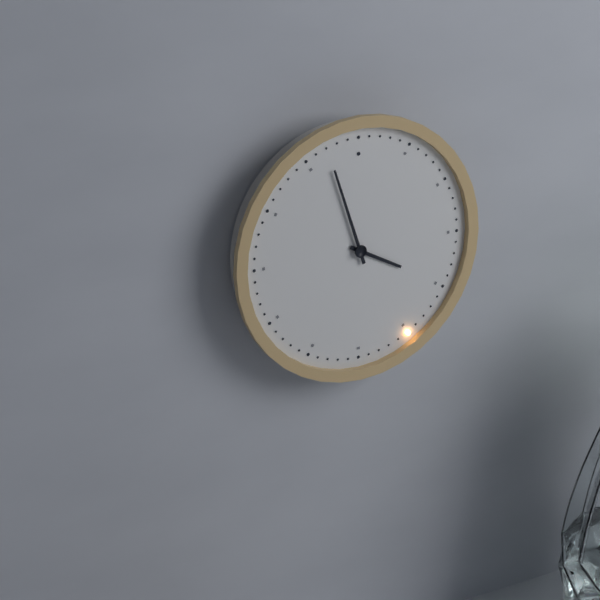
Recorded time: 3:57
